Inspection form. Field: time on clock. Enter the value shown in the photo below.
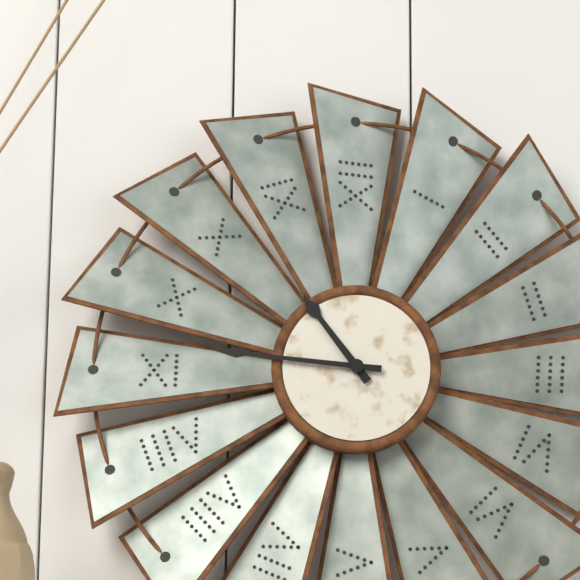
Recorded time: 10:46
